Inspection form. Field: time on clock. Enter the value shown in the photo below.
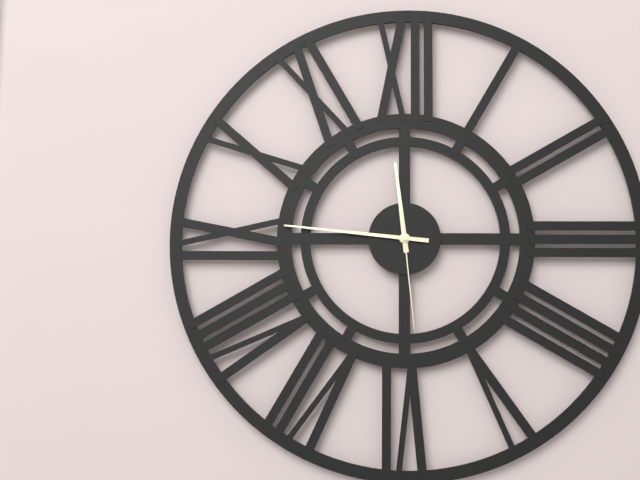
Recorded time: 11:46:29
